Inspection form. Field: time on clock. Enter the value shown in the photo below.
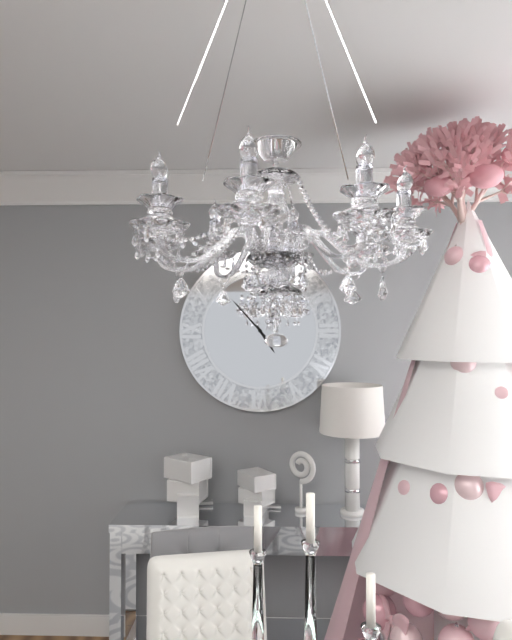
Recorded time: 4:53
